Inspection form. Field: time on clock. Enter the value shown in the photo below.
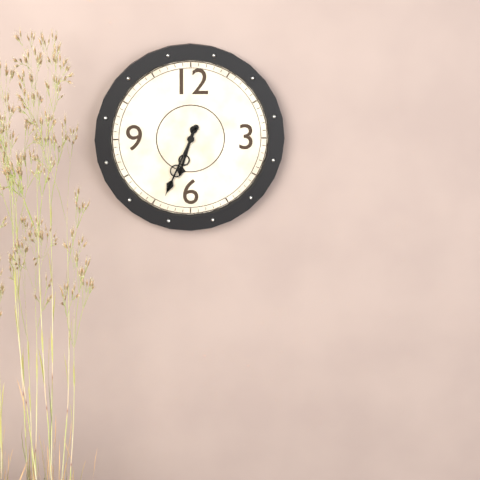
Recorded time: 6:34
